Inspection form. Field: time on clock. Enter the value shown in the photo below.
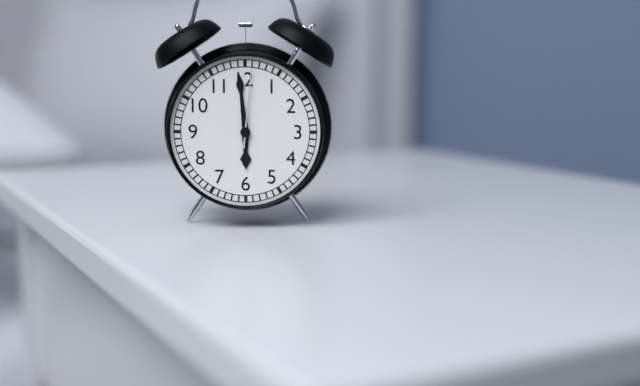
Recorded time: 5:59:01
